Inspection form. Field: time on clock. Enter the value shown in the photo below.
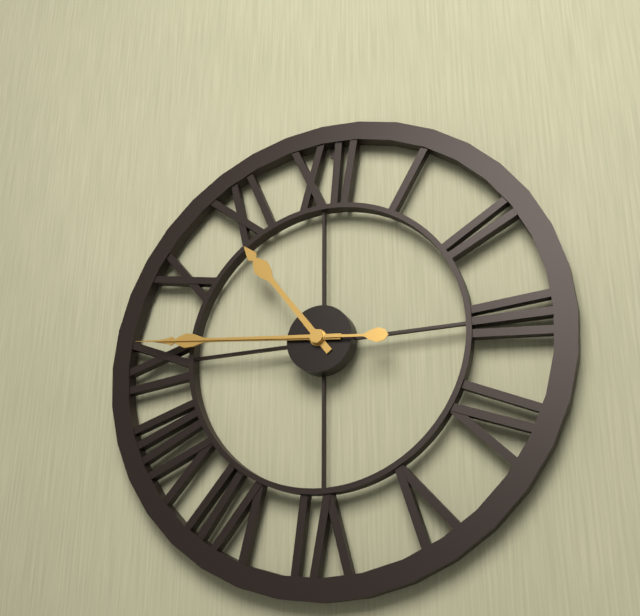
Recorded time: 10:46:46
